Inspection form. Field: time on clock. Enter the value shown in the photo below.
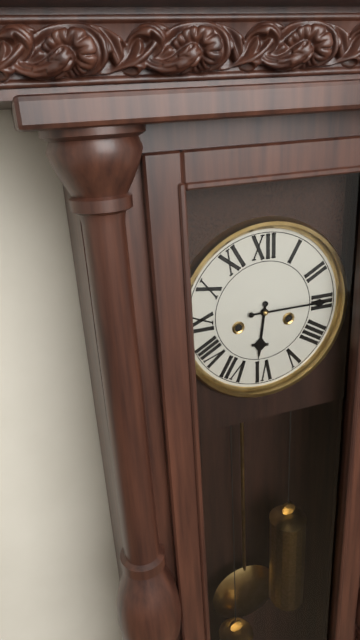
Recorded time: 6:15
